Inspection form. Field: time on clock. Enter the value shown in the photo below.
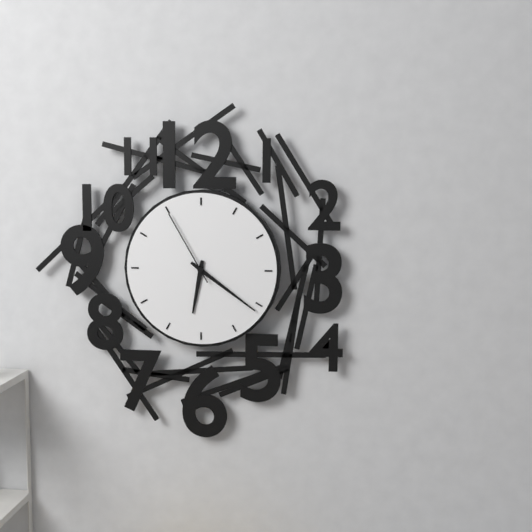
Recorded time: 6:21:55
